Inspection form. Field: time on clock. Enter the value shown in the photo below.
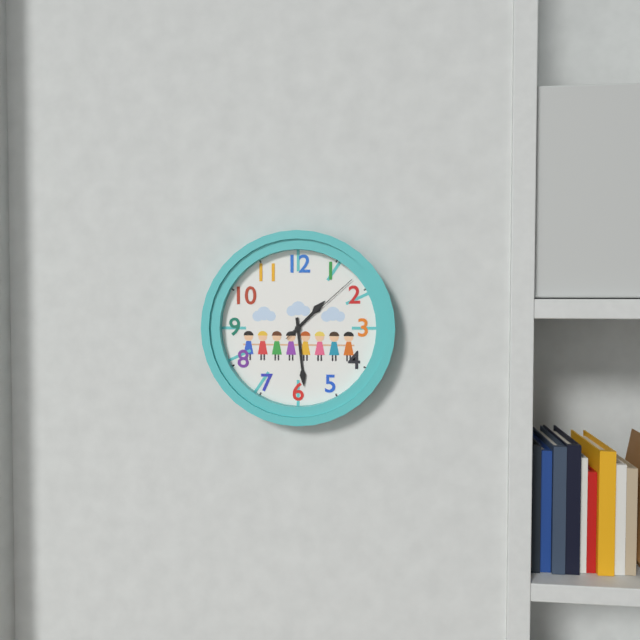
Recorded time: 1:29:08
